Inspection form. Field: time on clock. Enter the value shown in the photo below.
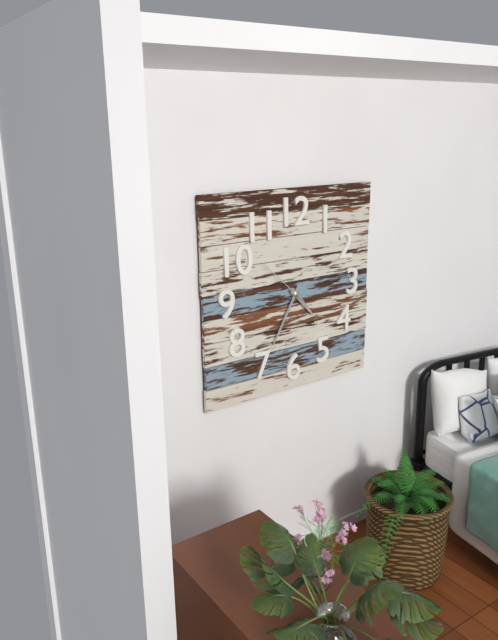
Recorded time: 4:35:52
